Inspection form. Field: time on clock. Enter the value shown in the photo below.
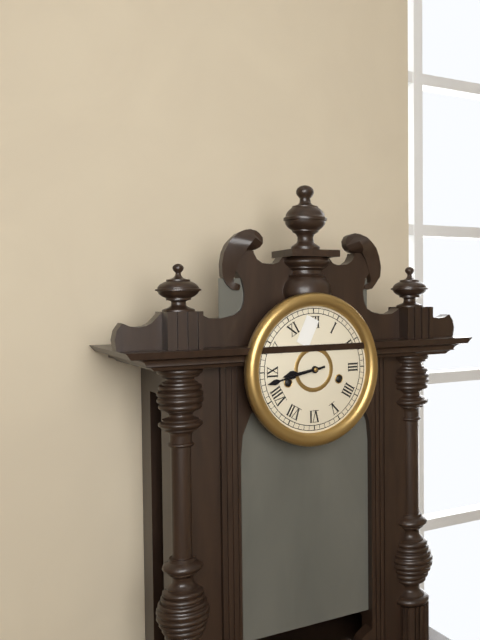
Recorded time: 8:43
